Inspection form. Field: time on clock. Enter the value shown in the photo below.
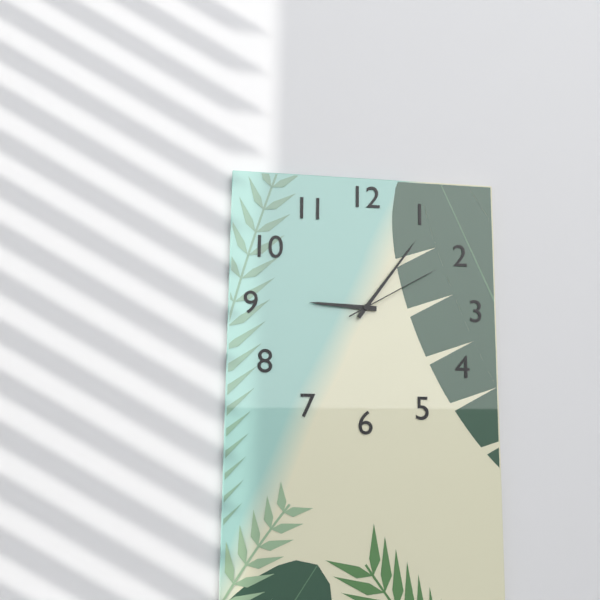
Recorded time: 9:06:10
